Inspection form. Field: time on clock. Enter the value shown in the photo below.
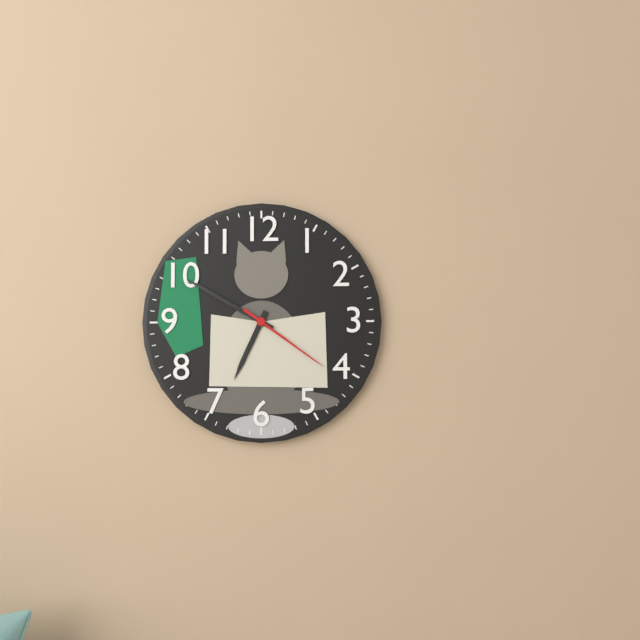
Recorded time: 6:50:21
